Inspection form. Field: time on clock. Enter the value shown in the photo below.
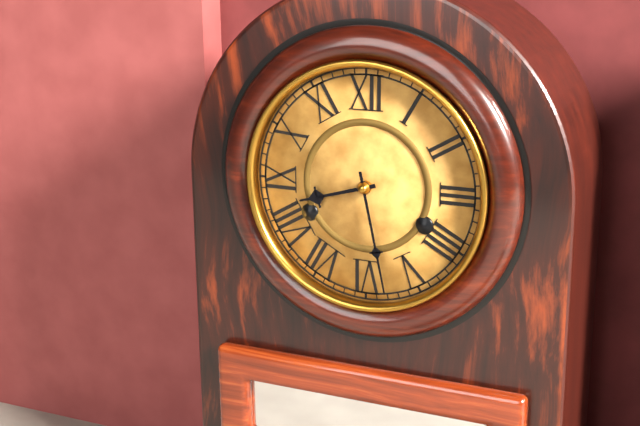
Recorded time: 8:28
